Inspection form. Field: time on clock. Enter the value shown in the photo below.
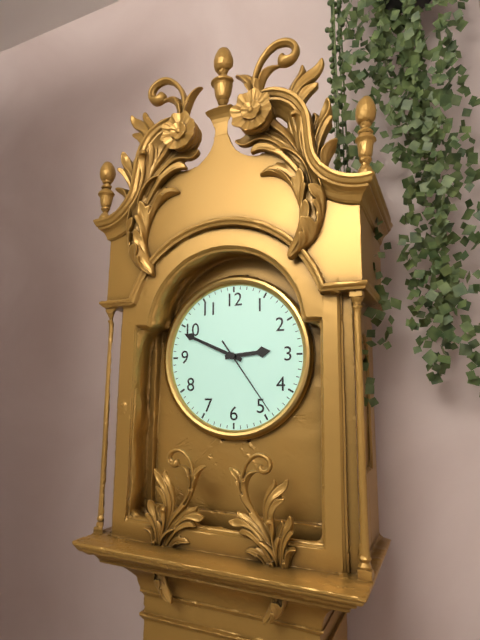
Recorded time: 2:49:24
